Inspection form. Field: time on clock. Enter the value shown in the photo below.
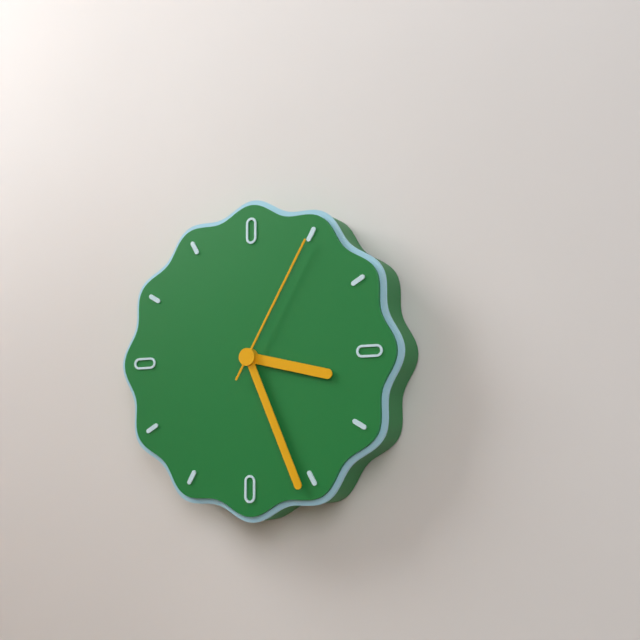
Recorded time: 3:26:05
